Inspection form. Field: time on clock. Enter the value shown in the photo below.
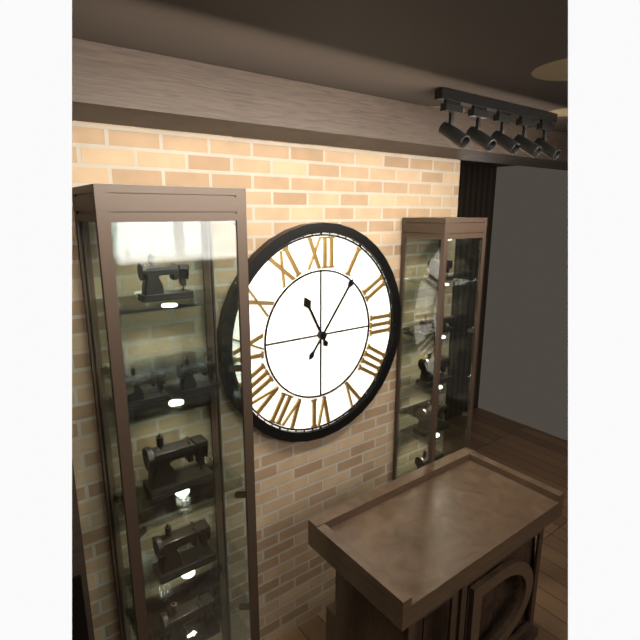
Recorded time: 11:06
